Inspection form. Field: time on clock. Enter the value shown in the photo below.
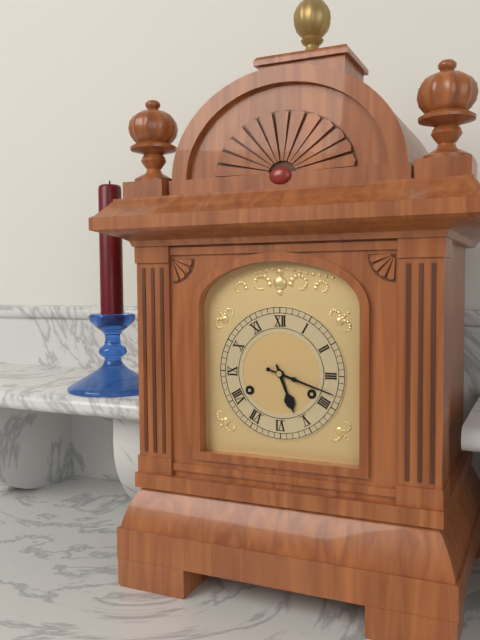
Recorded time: 5:18
